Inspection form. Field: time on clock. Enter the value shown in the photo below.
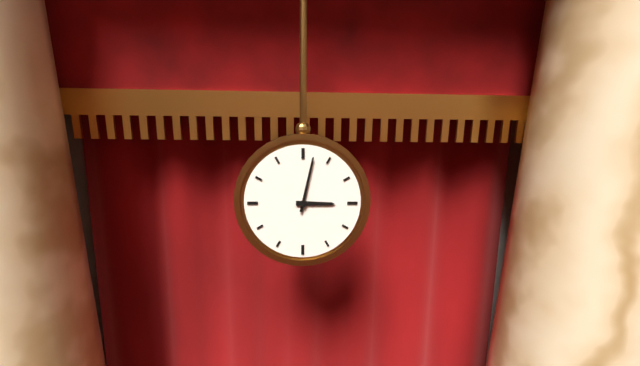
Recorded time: 3:02
